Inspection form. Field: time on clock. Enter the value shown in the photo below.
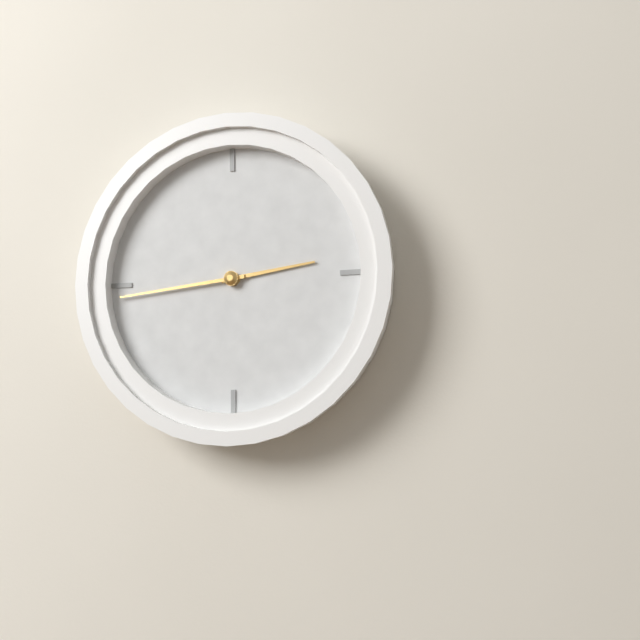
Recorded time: 2:44
